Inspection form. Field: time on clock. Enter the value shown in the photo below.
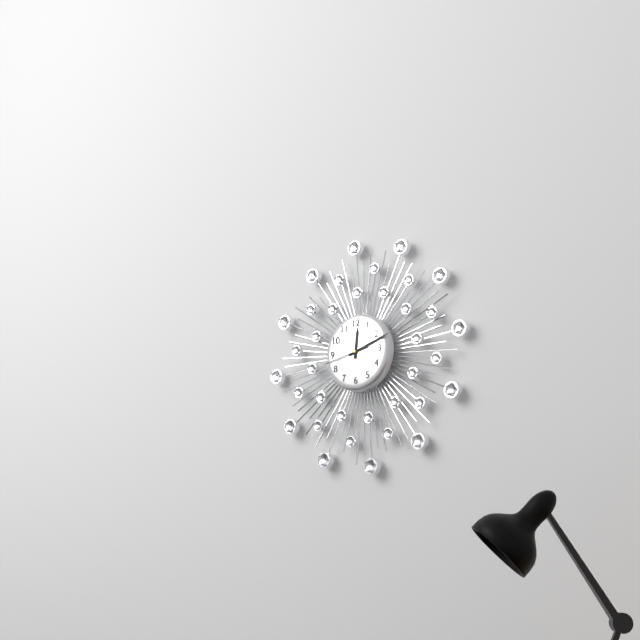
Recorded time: 12:12
